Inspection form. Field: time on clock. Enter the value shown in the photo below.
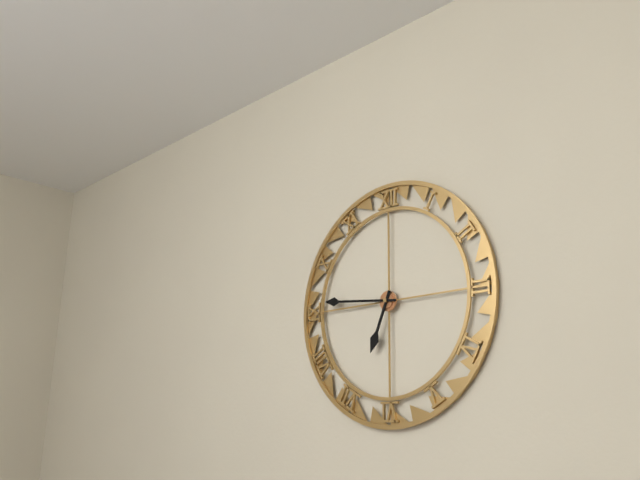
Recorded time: 6:46
